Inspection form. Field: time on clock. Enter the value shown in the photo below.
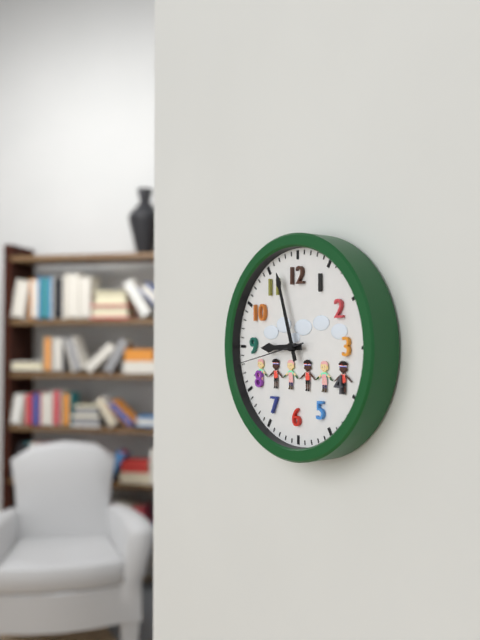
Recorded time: 8:57:43
